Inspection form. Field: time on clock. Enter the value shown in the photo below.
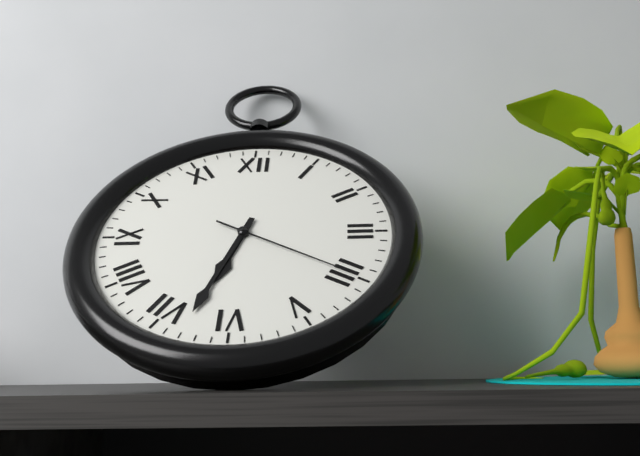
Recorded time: 6:33:20
